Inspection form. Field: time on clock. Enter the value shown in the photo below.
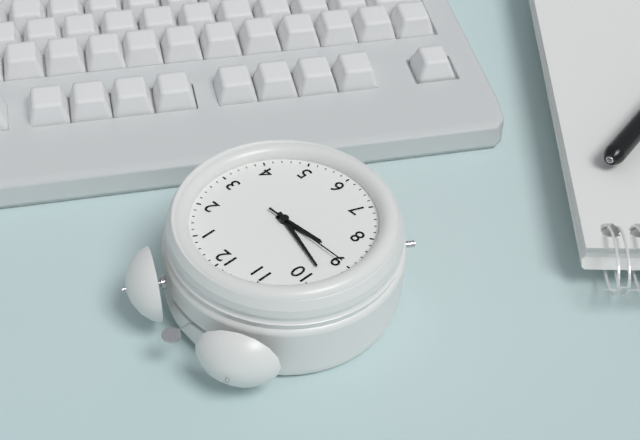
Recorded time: 8:48:45
